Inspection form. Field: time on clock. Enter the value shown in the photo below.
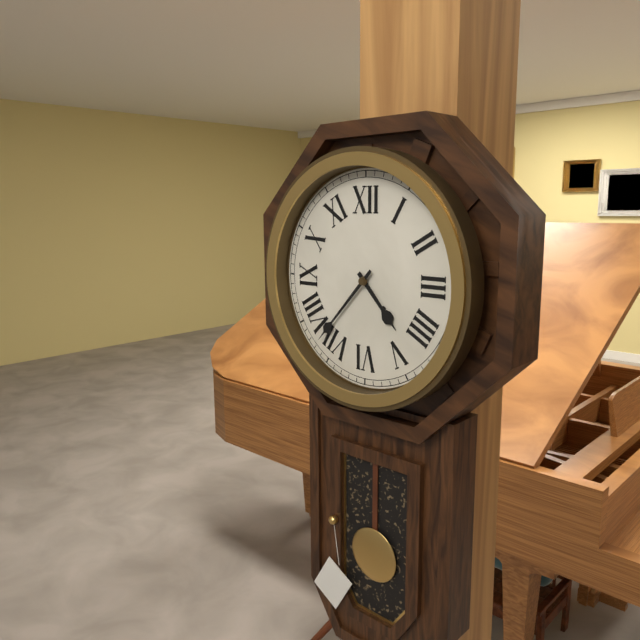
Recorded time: 4:37
